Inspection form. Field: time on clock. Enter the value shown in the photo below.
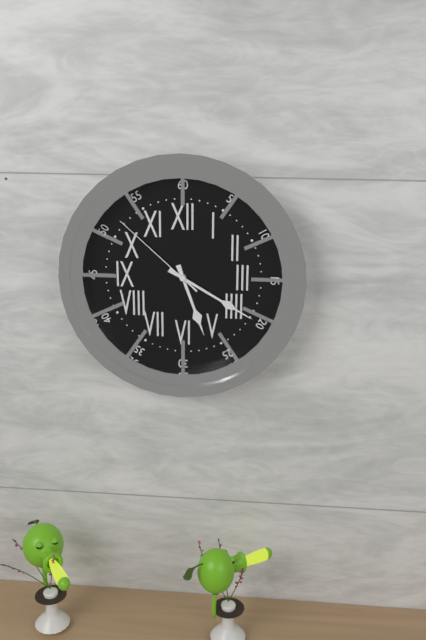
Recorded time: 5:20:52
